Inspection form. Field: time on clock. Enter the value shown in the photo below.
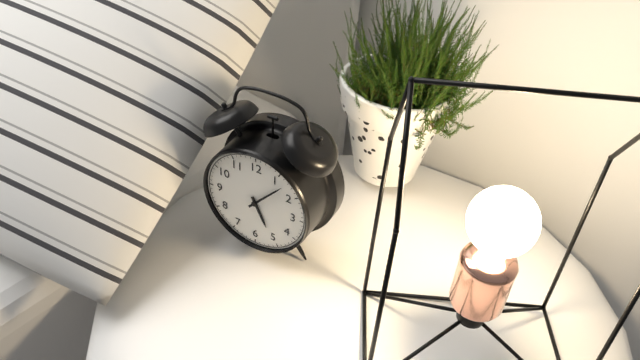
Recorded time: 5:07
